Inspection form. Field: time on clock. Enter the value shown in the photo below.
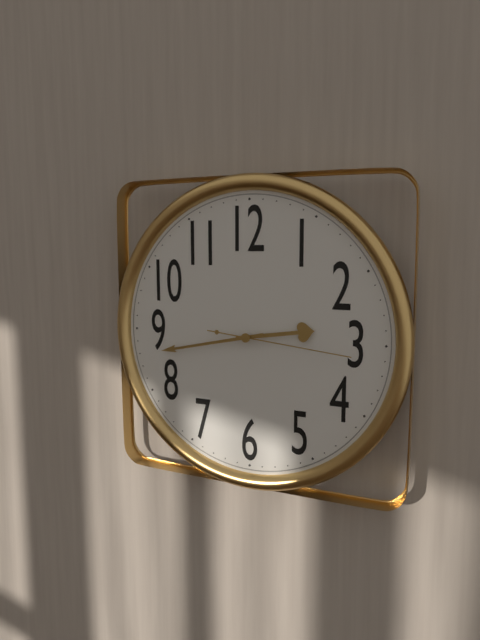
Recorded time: 2:43:16
